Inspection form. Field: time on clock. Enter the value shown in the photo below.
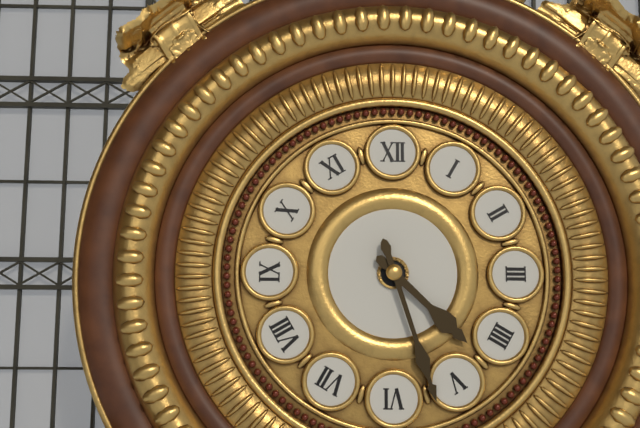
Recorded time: 4:27
